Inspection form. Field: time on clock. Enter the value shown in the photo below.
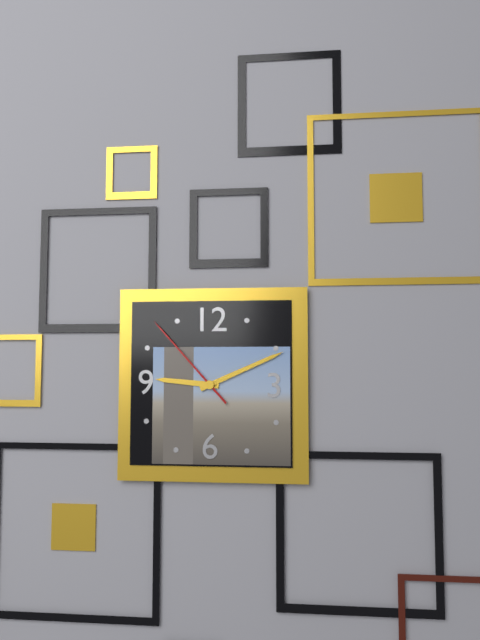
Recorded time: 9:11:53
